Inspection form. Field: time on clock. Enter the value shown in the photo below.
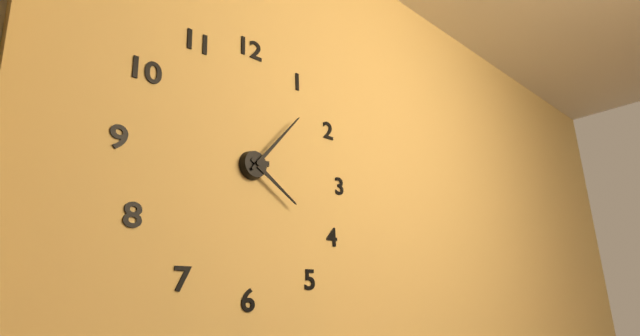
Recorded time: 4:07
